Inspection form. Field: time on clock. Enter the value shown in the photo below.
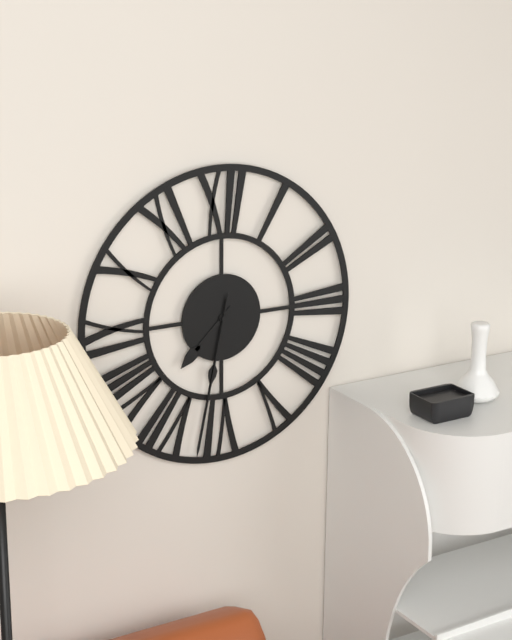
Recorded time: 7:32:32
